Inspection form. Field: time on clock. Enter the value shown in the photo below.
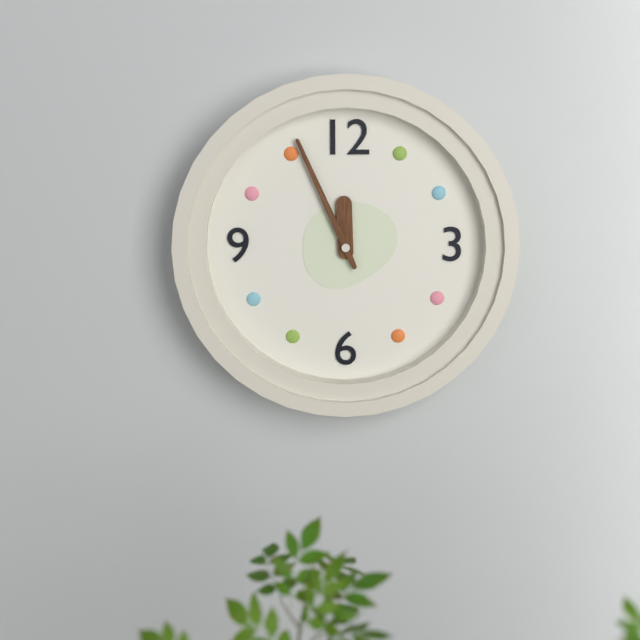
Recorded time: 11:56
